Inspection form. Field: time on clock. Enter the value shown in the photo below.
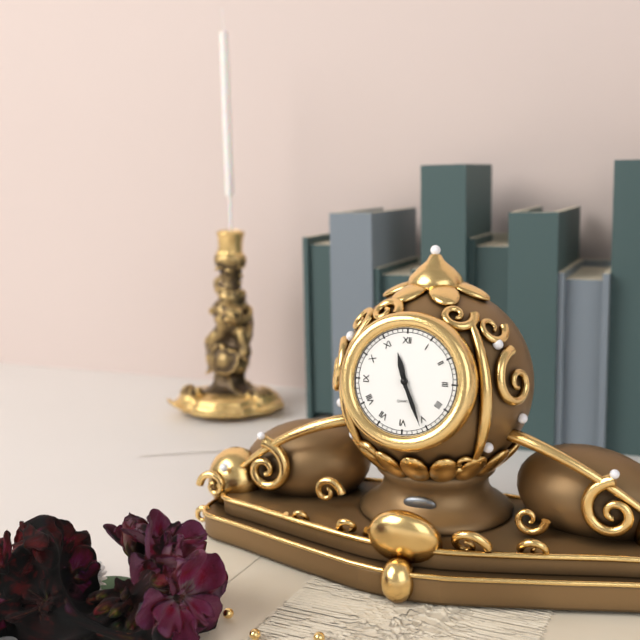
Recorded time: 11:26
